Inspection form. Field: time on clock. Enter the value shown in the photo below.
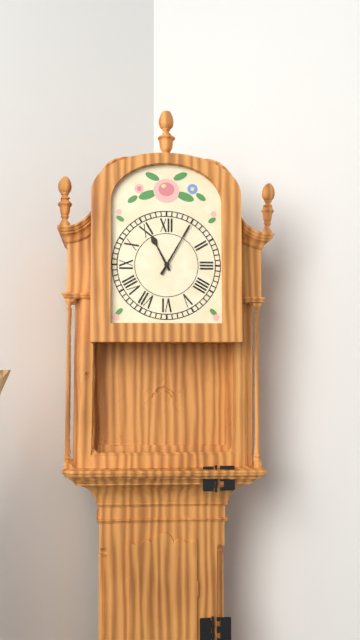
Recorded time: 11:05
